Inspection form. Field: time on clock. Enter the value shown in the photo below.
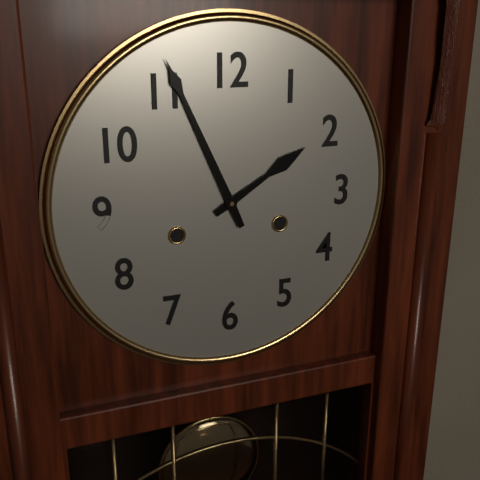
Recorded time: 1:56
